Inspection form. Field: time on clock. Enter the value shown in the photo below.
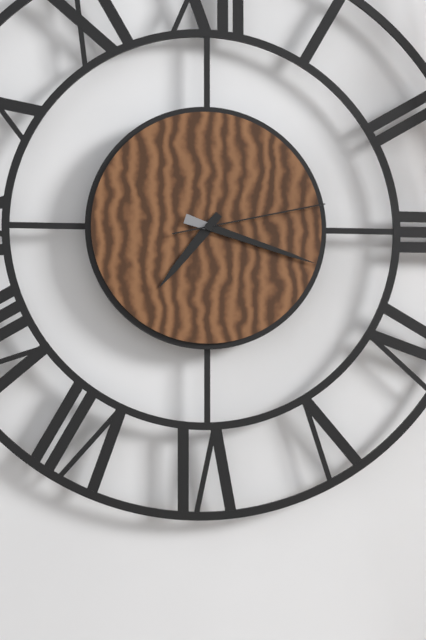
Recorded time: 7:18:13
